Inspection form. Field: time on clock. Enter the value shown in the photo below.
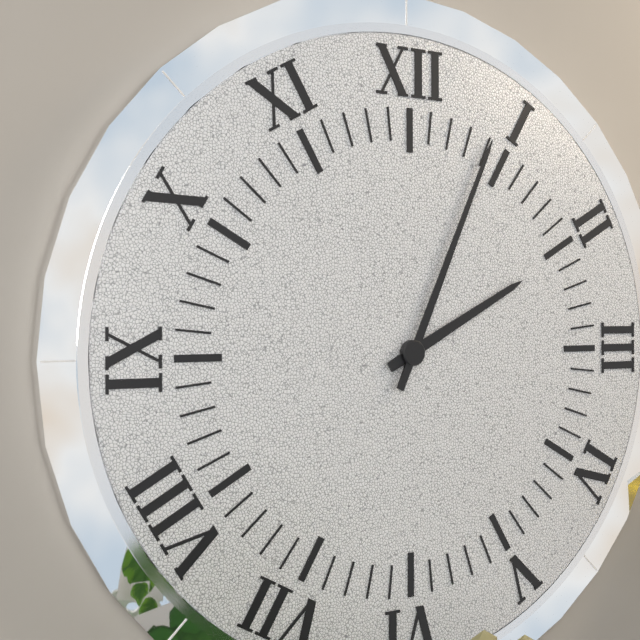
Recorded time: 2:04
